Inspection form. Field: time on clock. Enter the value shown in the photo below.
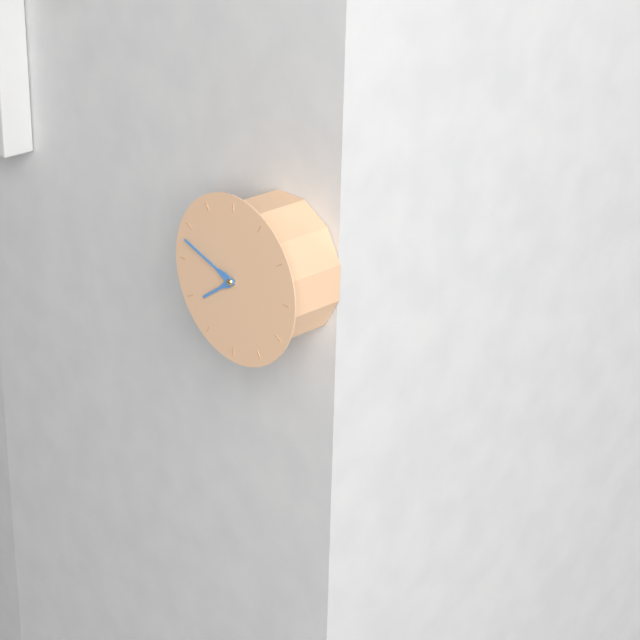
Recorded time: 7:48
